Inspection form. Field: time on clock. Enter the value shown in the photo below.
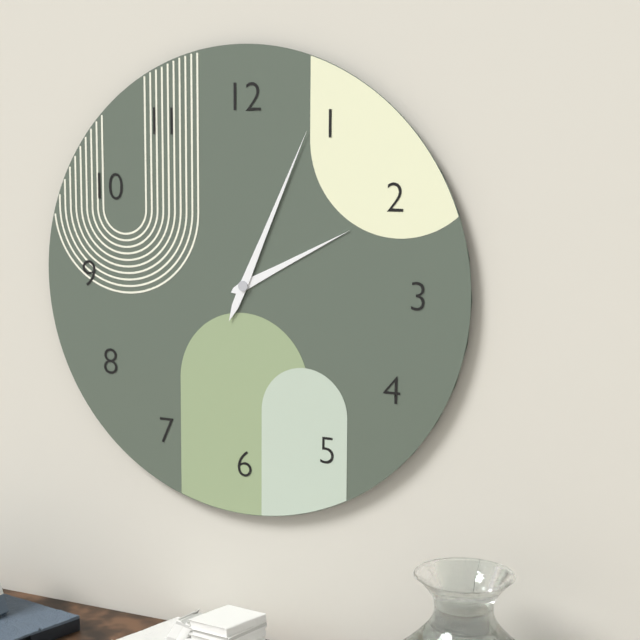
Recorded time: 2:04
